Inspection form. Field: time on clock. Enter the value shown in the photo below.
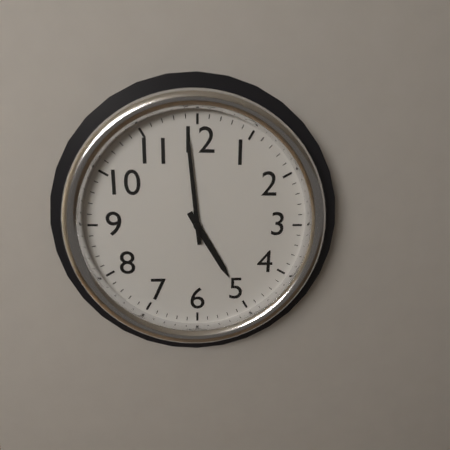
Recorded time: 4:59
